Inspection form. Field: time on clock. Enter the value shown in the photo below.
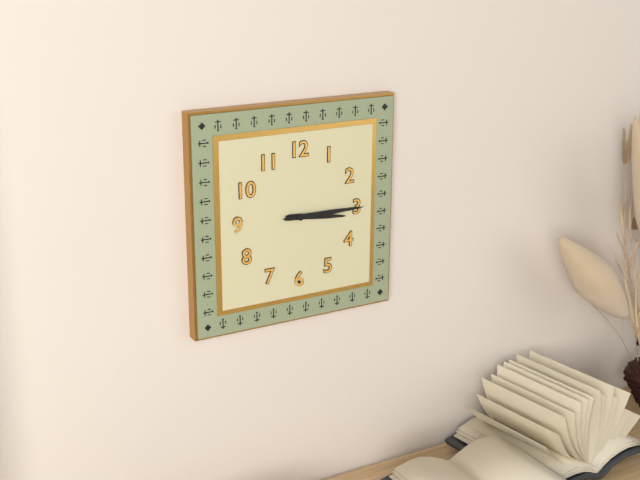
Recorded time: 3:15
